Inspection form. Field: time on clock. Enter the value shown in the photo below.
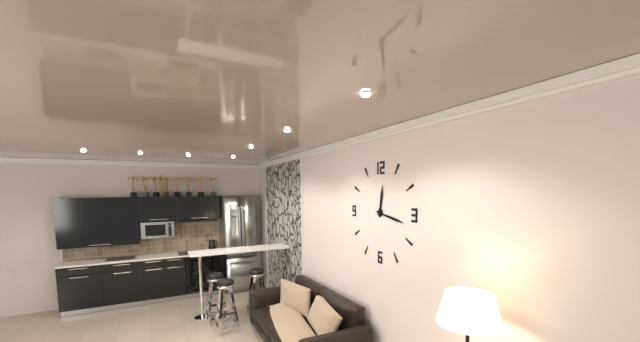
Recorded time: 12:17
